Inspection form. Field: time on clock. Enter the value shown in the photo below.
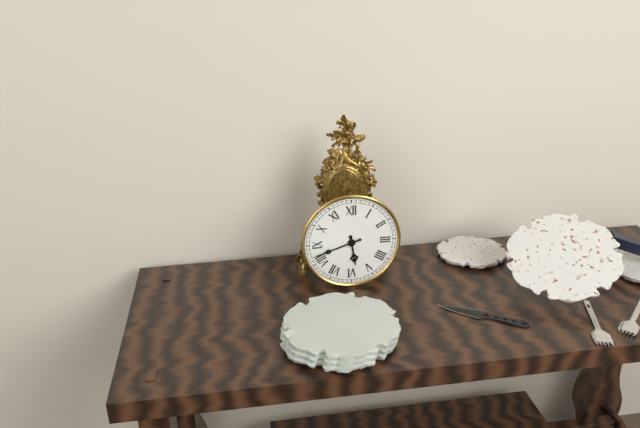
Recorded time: 5:42
